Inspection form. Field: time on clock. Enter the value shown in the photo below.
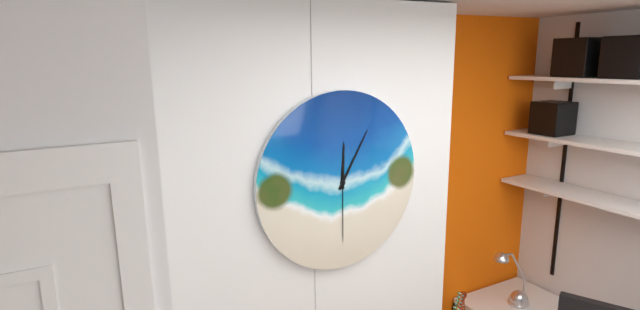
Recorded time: 12:05:30
